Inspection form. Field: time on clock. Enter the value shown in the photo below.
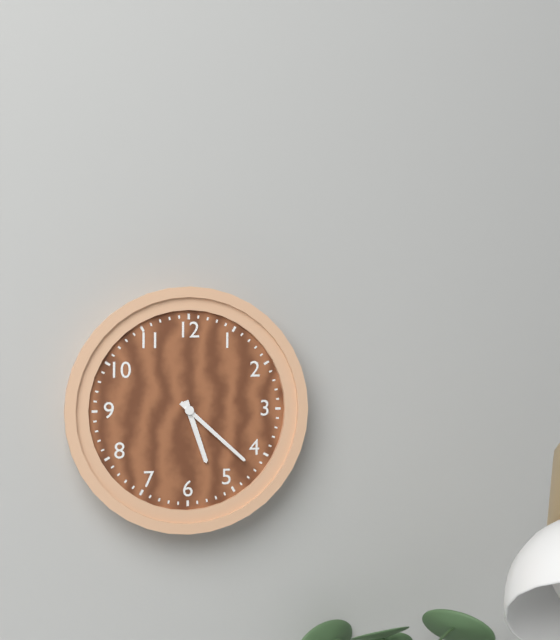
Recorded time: 5:22
